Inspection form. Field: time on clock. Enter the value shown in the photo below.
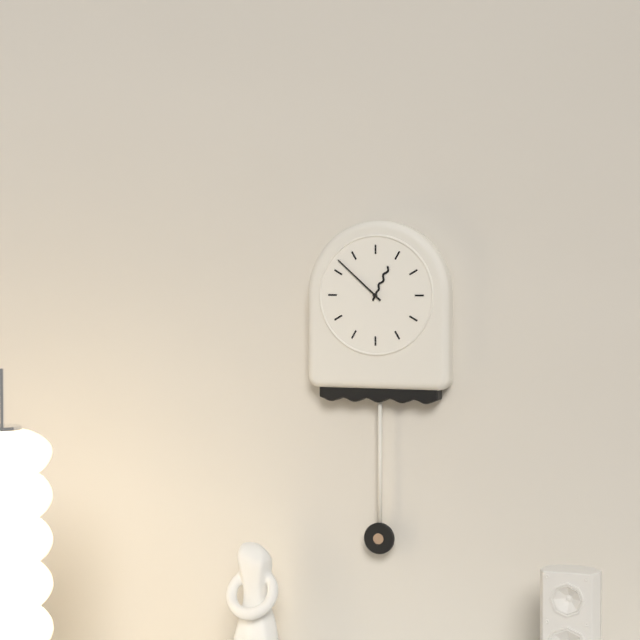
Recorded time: 12:52
